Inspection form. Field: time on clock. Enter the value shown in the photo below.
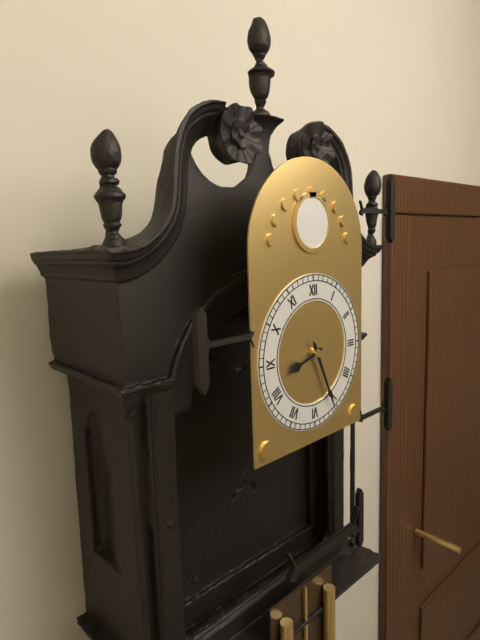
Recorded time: 8:26
